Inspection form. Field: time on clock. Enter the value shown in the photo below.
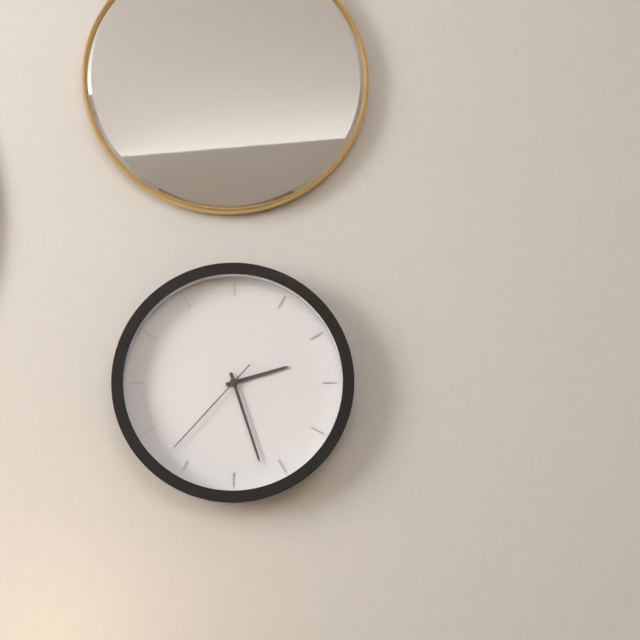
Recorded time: 2:27:37
